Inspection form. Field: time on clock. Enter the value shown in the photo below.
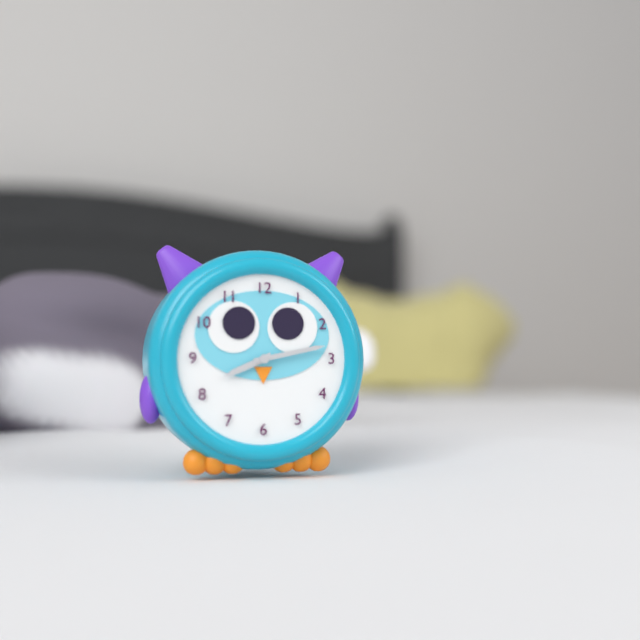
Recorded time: 8:13
